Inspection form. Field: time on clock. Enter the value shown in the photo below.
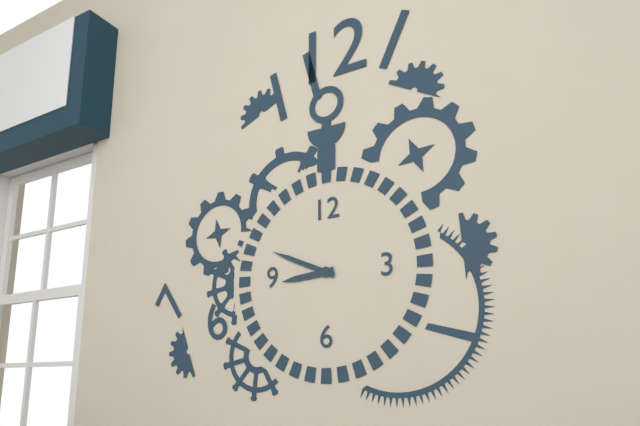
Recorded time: 8:49
